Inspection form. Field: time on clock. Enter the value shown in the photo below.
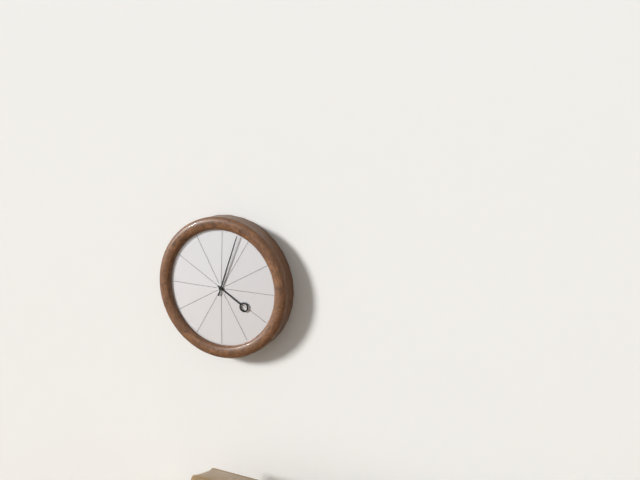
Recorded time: 4:03
